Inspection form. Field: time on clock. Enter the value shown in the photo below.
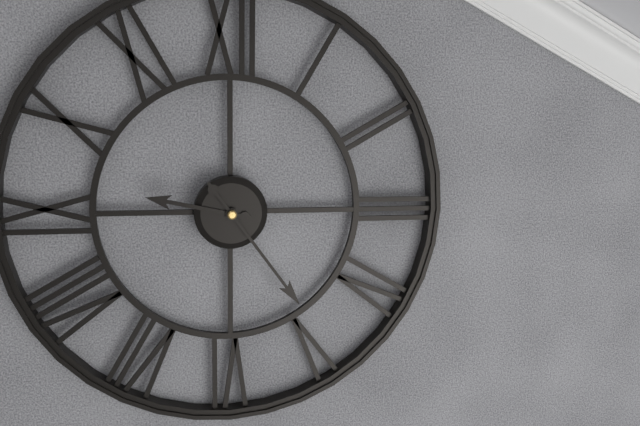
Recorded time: 9:24
